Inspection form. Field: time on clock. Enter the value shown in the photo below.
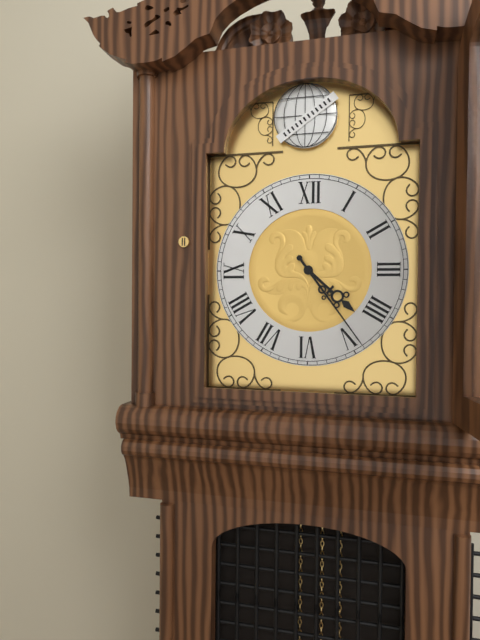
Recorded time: 4:24
